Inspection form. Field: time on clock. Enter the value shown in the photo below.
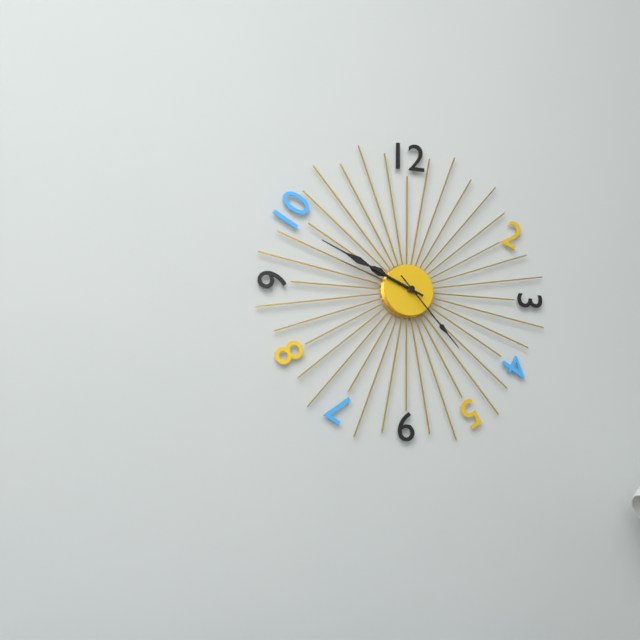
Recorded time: 9:49:23
